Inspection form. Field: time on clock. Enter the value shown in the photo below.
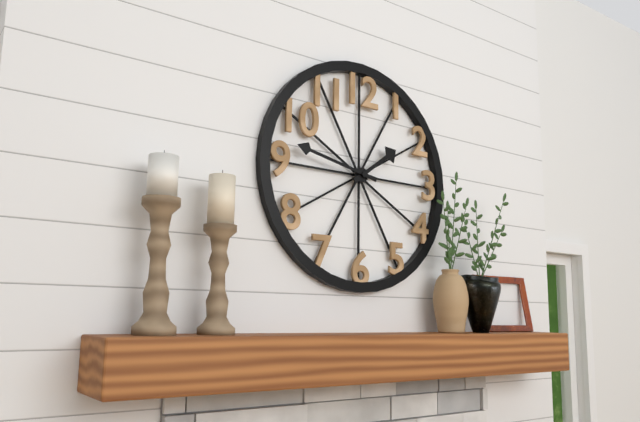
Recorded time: 1:47
